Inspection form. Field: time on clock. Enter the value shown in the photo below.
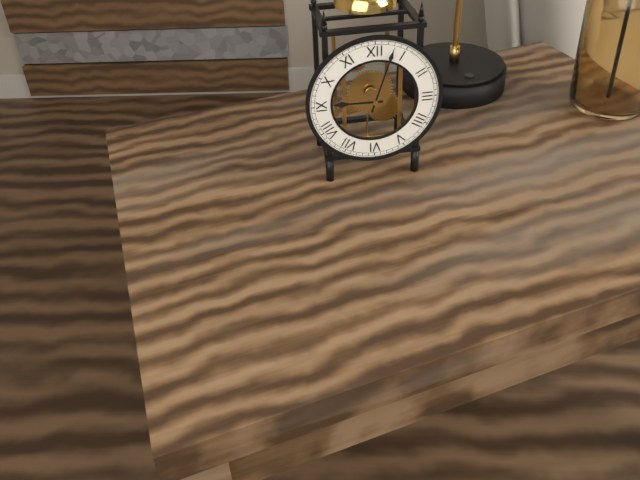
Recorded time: 9:03
